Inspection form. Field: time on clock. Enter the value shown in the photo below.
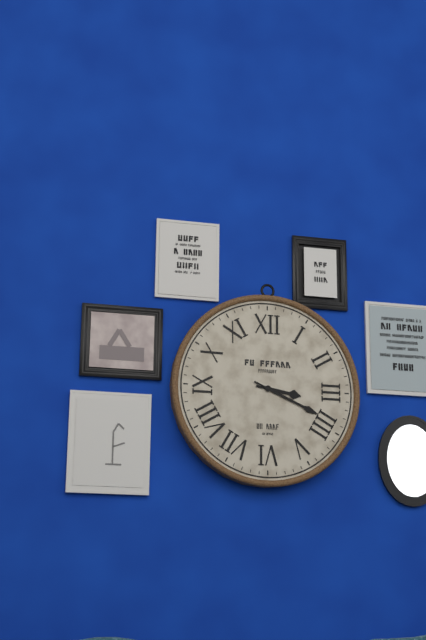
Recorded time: 3:19
